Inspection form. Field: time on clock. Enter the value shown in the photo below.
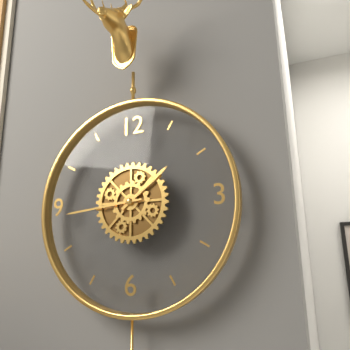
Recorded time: 1:44
